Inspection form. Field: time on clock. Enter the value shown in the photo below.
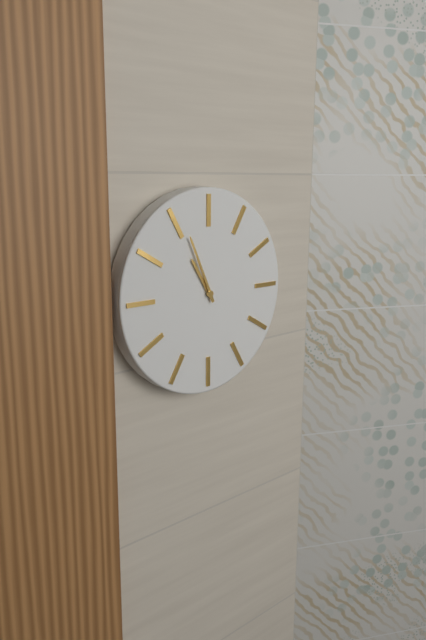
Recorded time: 10:56
